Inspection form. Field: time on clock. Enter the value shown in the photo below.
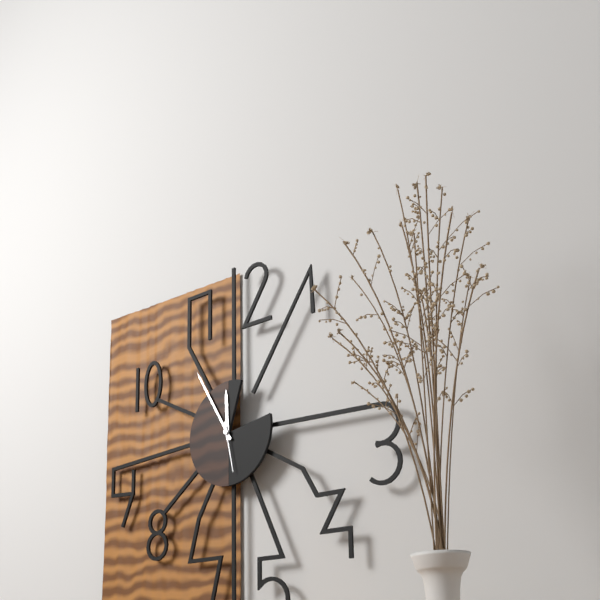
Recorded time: 11:55
